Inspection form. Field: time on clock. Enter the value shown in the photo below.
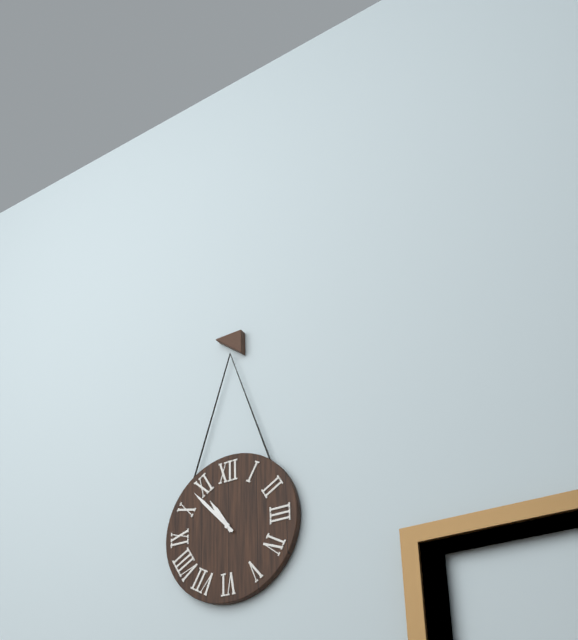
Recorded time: 10:53
